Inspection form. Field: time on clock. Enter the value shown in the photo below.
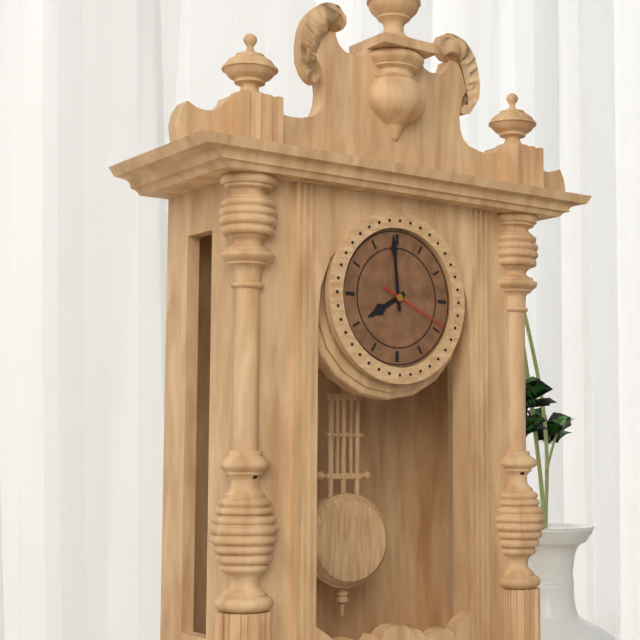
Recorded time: 7:59:19
